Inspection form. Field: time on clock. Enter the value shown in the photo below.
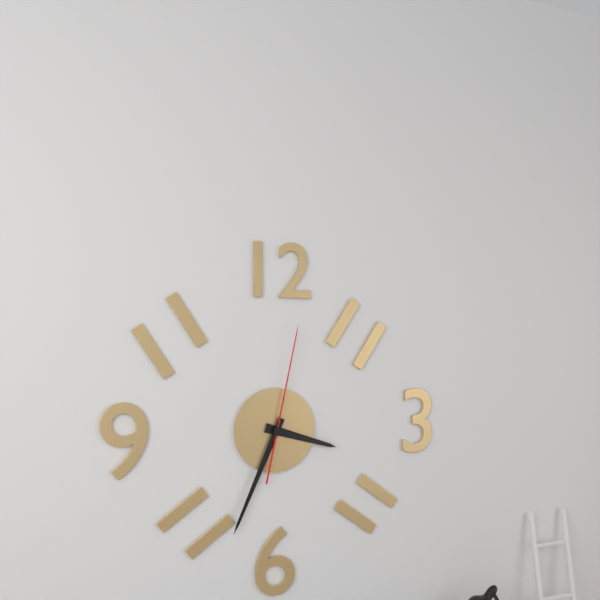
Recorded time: 3:34:02
